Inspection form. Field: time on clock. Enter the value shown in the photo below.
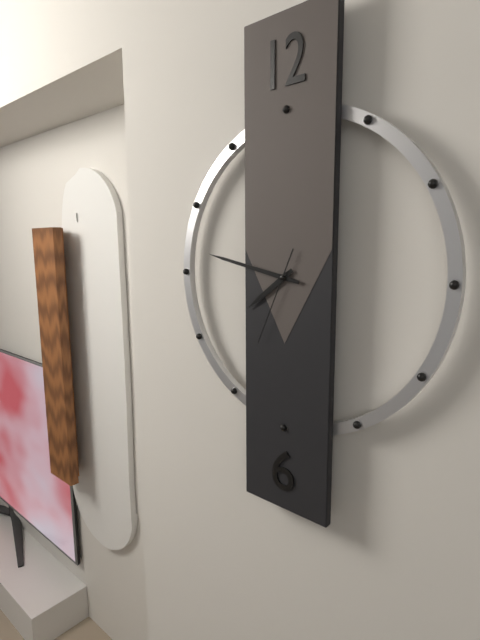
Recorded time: 7:47:34
